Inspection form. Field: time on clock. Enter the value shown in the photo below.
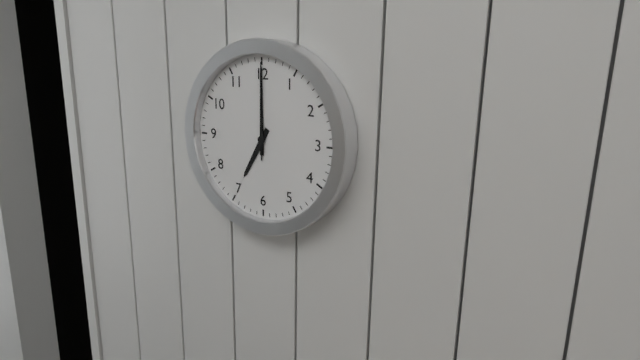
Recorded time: 7:00:00
